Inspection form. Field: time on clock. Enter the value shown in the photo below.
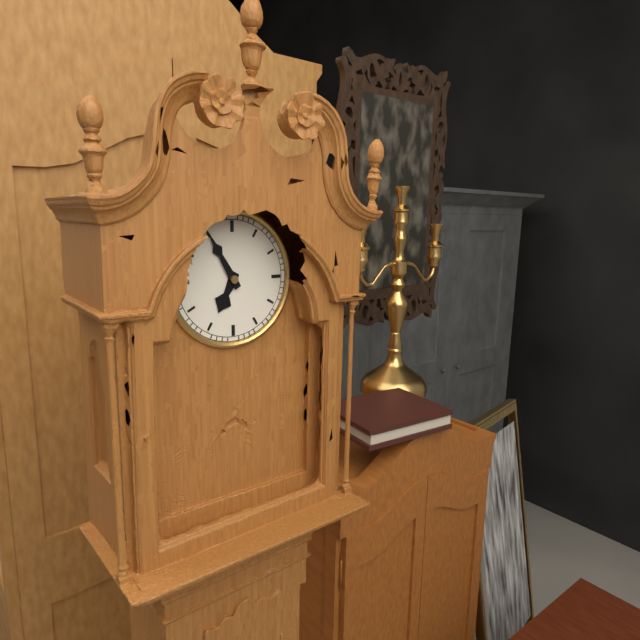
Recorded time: 6:55
